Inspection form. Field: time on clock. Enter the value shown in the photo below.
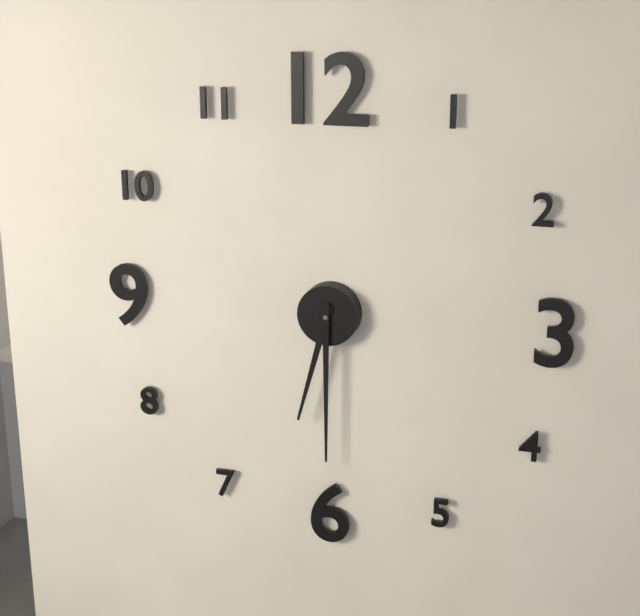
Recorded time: 6:30
